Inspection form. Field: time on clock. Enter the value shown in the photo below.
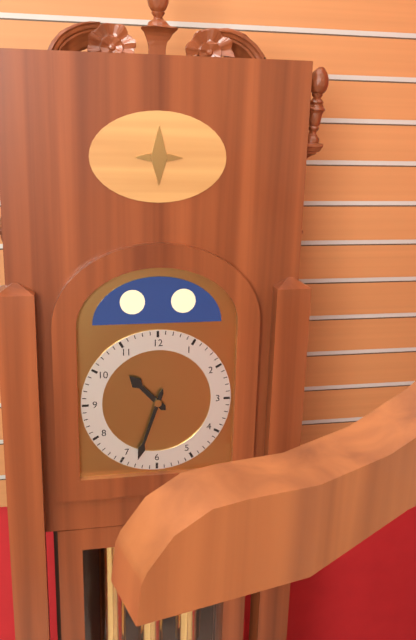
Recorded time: 10:33
